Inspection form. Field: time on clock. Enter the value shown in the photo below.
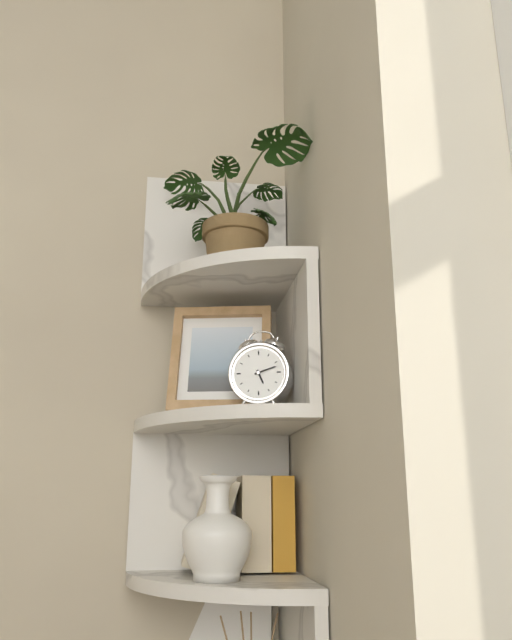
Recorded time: 5:12
